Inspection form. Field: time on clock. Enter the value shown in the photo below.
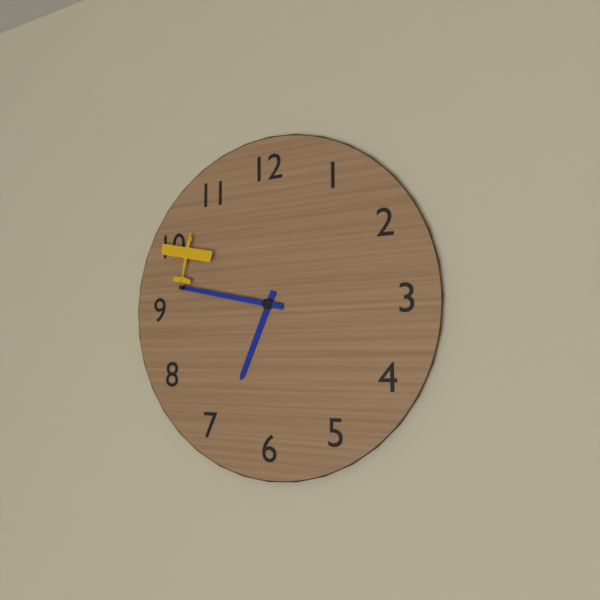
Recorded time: 6:47
